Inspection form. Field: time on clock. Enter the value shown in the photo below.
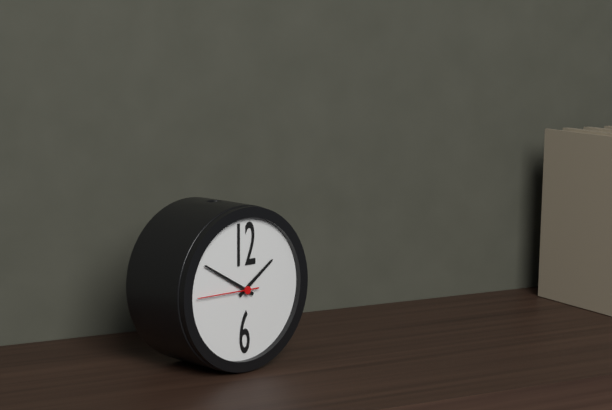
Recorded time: 1:50:45
